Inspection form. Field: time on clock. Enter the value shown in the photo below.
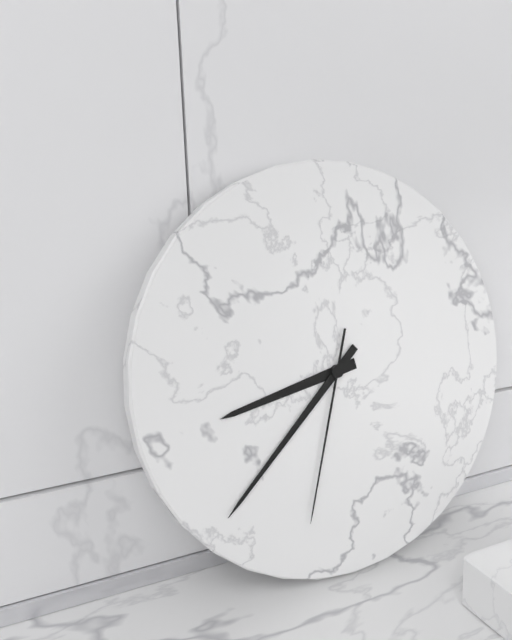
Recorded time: 8:38:33
